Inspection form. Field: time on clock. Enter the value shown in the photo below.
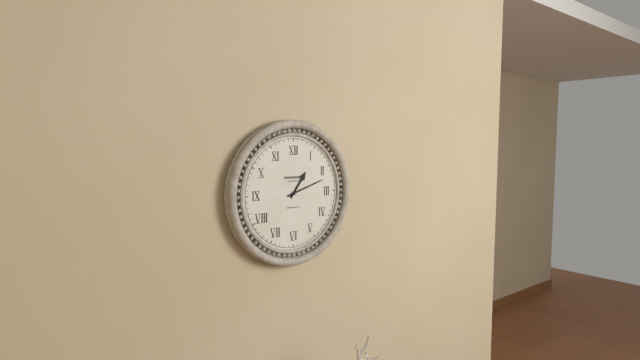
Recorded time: 1:12
